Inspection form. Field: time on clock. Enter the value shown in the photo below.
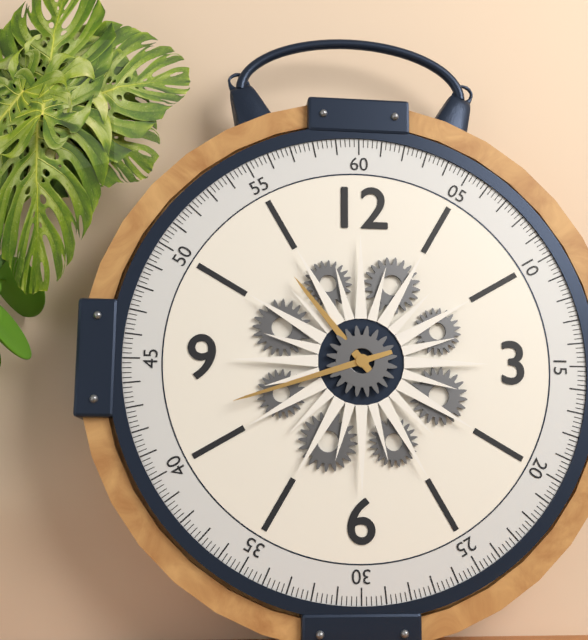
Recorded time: 10:42
